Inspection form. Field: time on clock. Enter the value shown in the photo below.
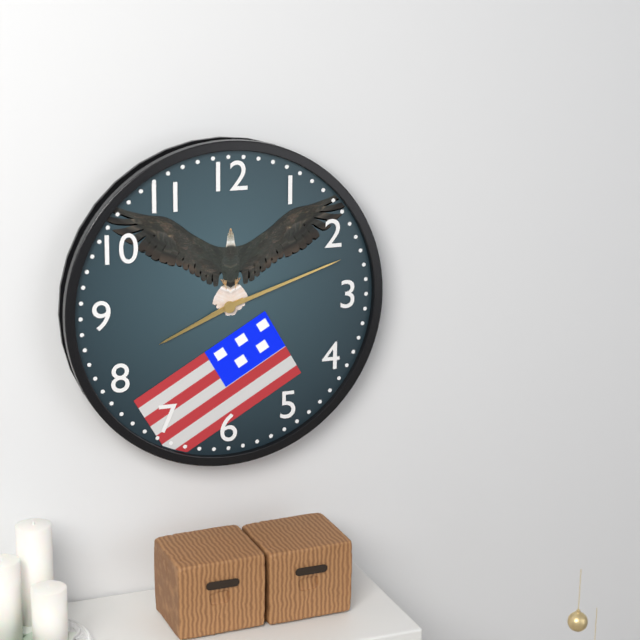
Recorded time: 8:12
